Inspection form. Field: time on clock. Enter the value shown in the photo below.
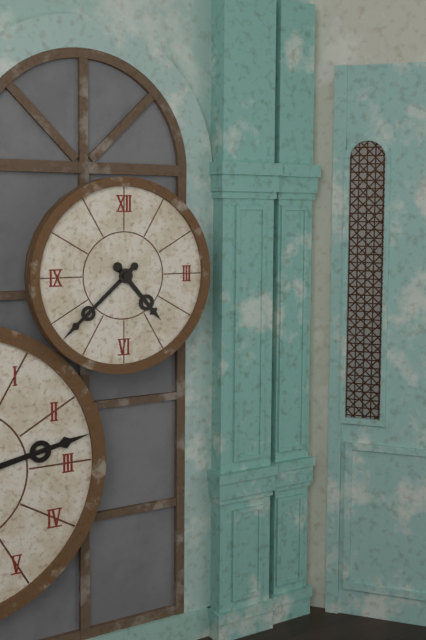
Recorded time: 4:38
